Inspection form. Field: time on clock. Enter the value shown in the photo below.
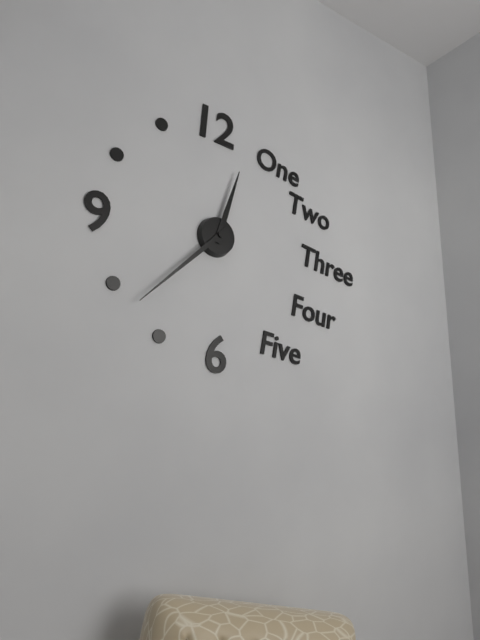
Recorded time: 12:38
